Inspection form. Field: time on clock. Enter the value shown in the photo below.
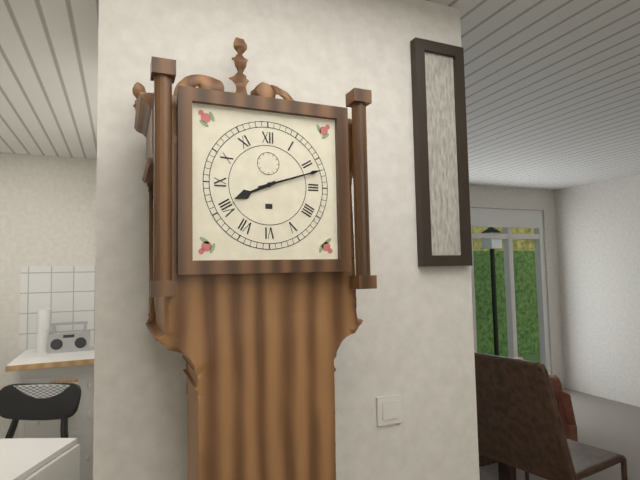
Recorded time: 8:12
